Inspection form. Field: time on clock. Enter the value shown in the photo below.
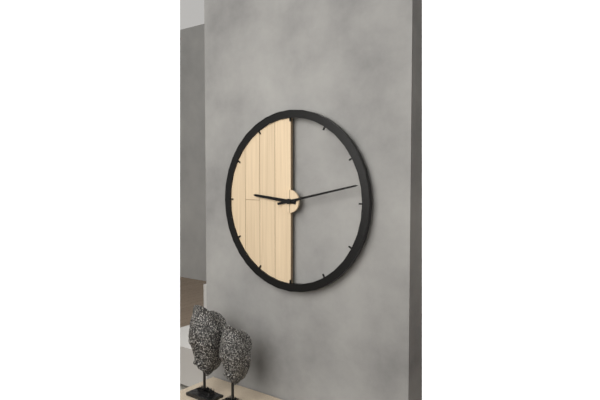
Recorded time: 9:13
